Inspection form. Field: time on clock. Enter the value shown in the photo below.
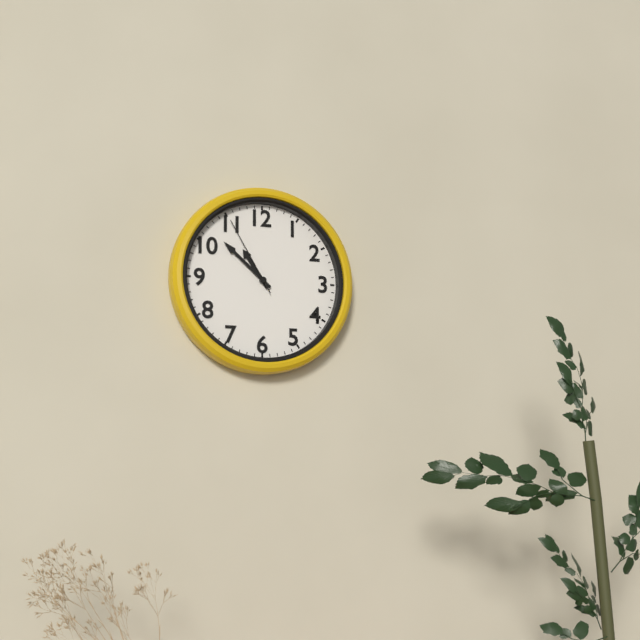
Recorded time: 10:52:55
